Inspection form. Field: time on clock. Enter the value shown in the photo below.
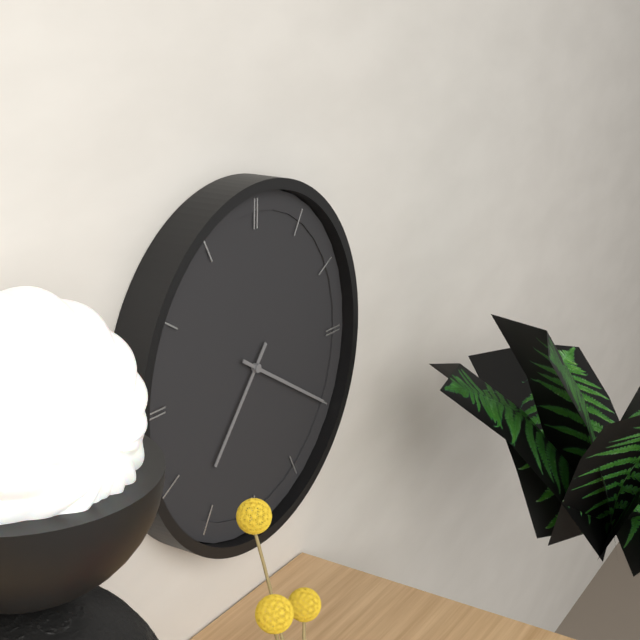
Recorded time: 7:20
